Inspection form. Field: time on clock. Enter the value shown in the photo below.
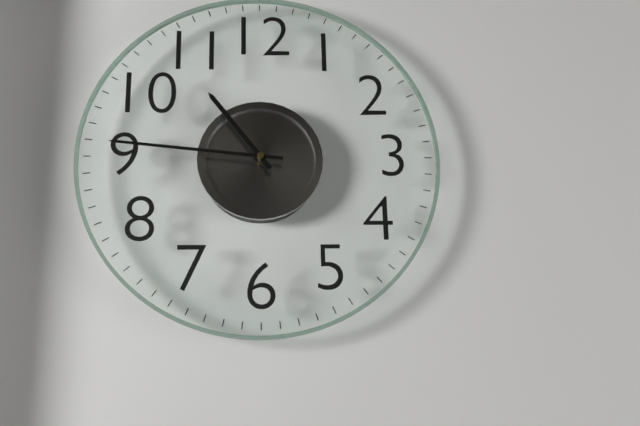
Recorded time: 10:46
